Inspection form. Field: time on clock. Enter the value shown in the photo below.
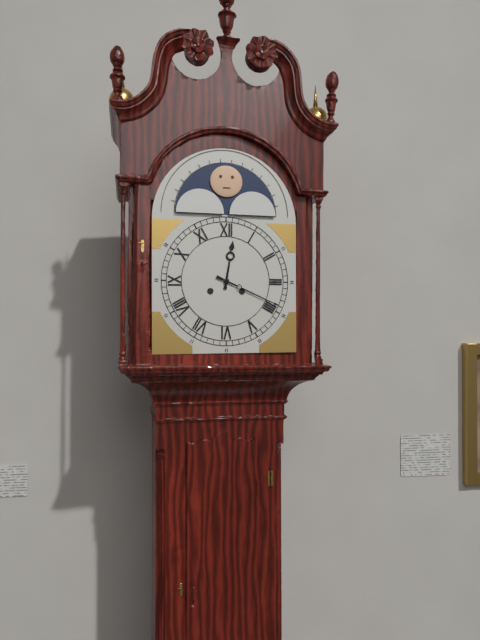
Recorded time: 12:19
